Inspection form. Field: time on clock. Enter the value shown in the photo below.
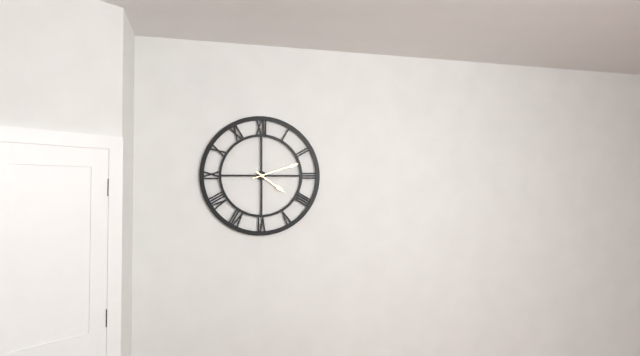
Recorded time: 4:12
